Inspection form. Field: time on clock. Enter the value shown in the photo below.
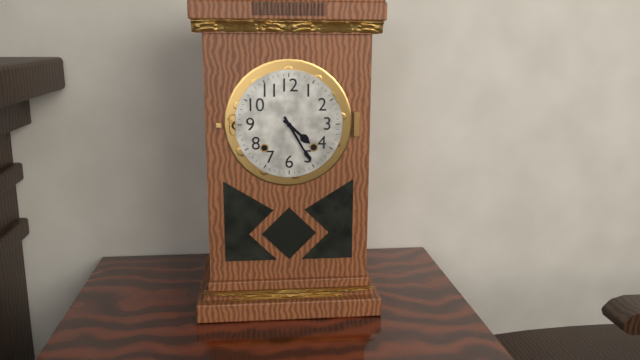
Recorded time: 4:25
